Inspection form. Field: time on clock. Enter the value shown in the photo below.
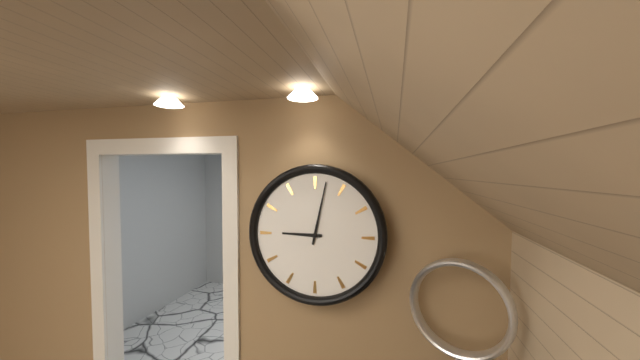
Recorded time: 9:02
